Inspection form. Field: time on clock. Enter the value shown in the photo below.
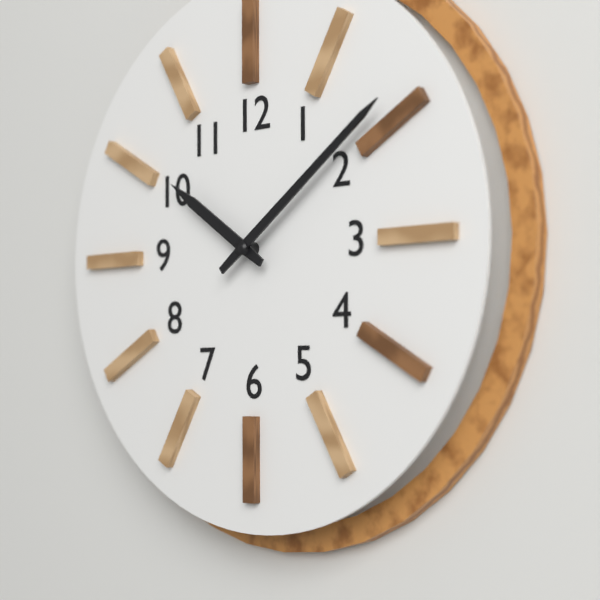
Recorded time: 10:09
